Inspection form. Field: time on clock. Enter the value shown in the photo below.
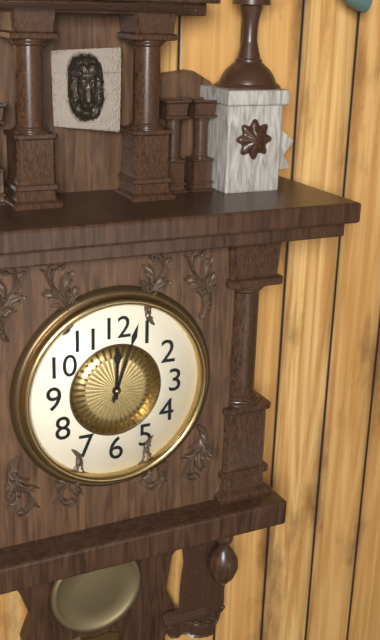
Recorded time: 12:03
